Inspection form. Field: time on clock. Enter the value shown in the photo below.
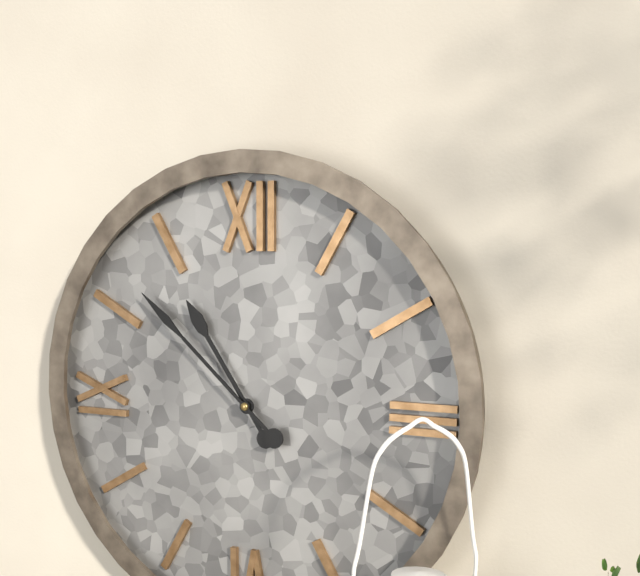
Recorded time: 10:52
